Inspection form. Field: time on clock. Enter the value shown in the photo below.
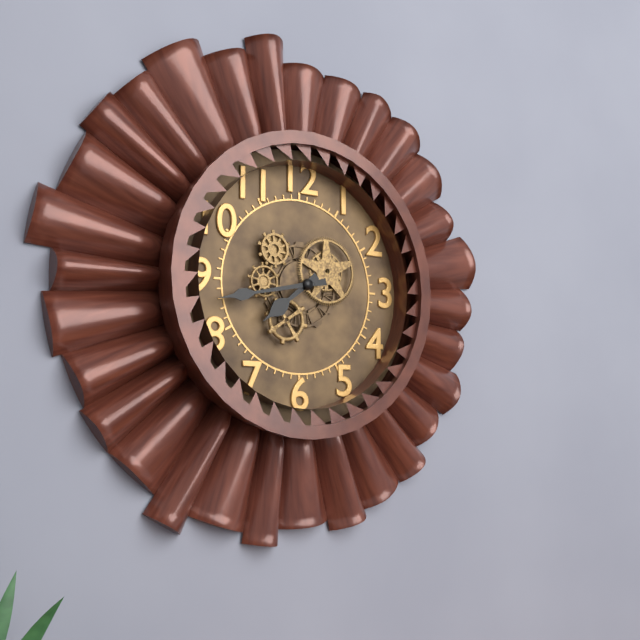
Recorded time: 7:43
